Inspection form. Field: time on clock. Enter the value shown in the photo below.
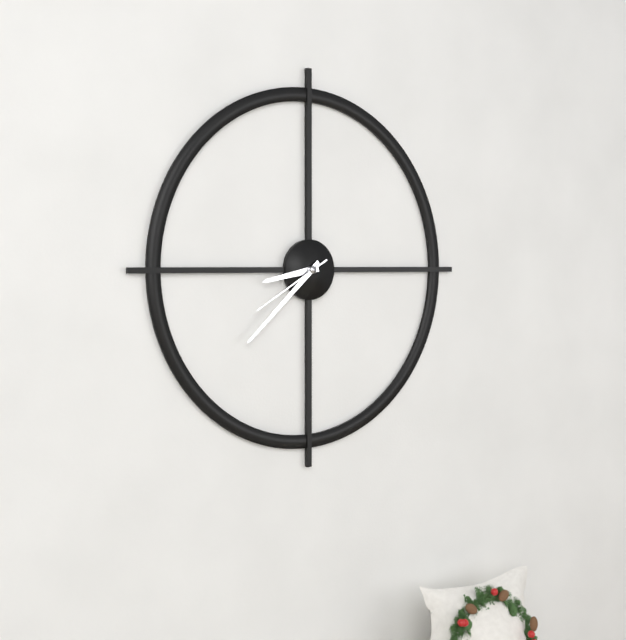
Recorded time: 8:38:40
